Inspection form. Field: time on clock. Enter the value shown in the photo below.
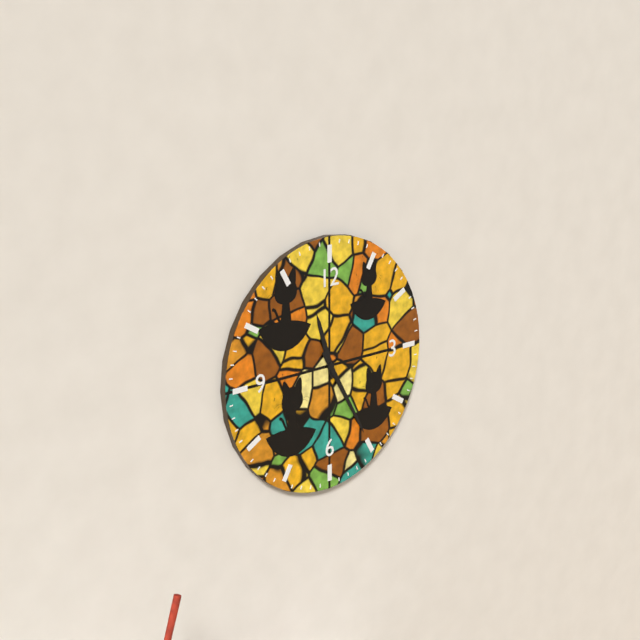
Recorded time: 11:25
